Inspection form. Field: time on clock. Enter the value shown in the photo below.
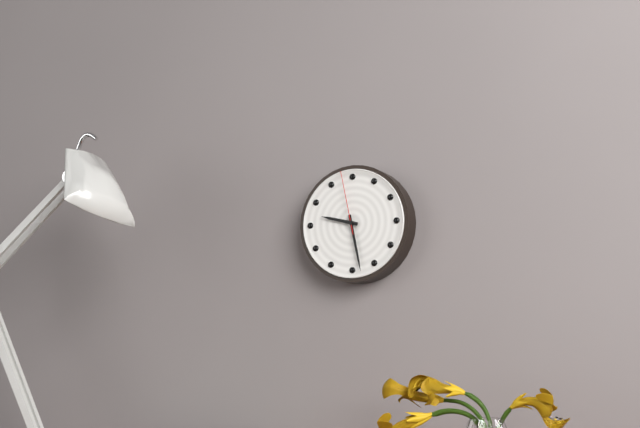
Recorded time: 9:28:58
